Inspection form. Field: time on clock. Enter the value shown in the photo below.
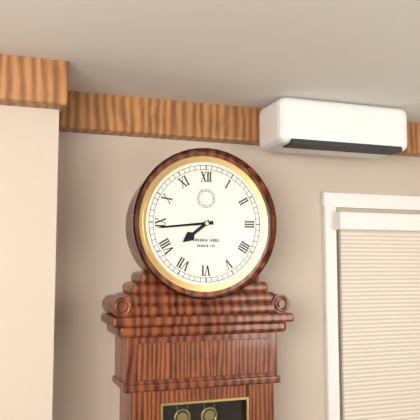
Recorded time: 7:44
